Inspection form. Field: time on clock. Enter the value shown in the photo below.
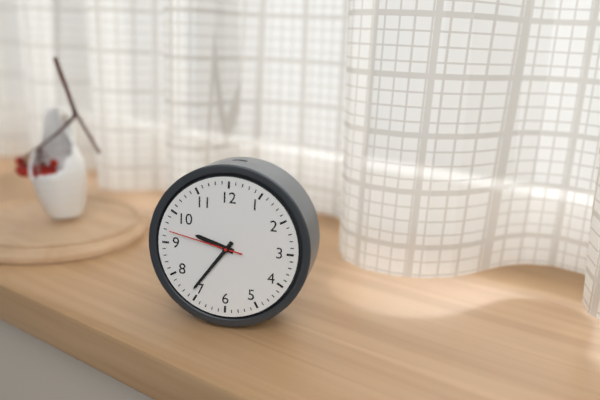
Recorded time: 9:36:47
